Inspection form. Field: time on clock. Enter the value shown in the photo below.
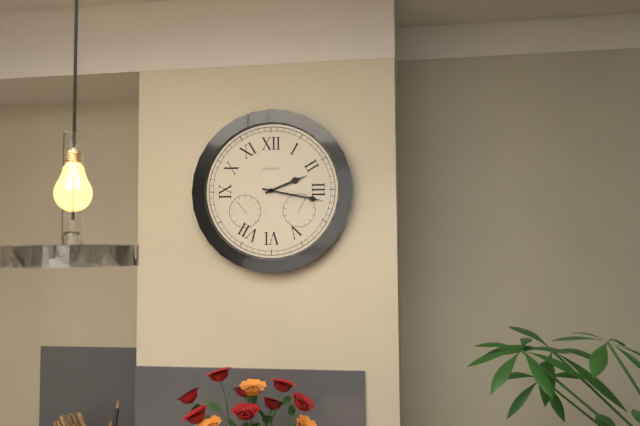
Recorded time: 2:17
